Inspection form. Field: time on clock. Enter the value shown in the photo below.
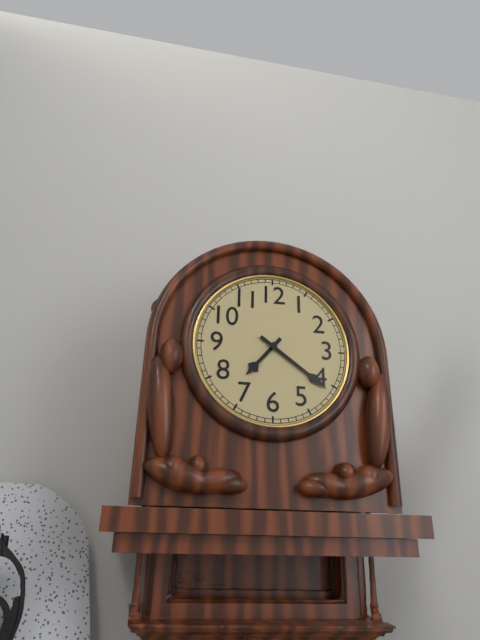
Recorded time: 7:21
